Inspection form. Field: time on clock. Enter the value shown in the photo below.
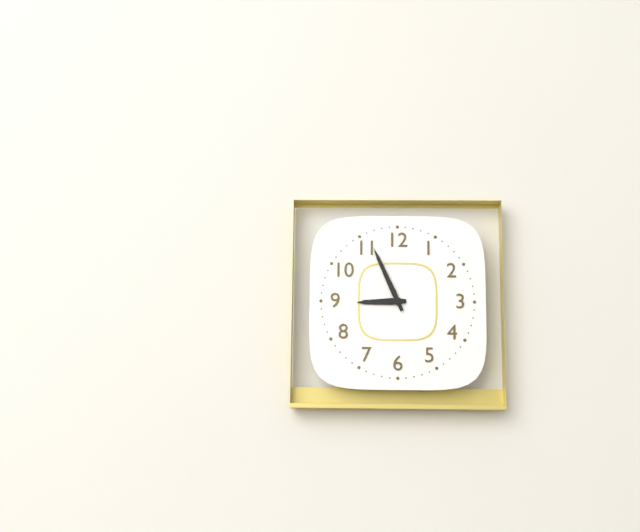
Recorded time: 8:56
